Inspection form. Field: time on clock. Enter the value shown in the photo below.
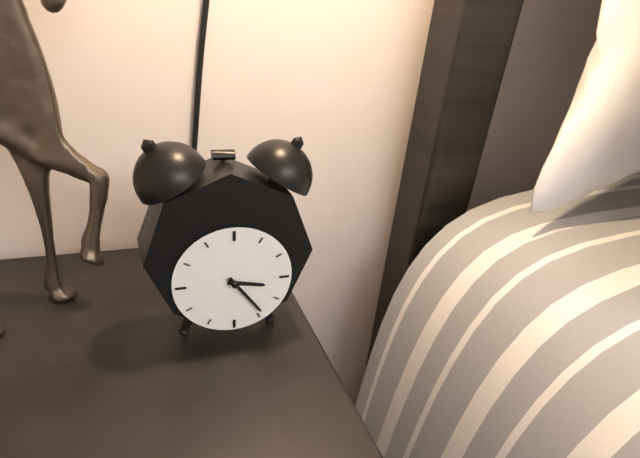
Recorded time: 3:24
